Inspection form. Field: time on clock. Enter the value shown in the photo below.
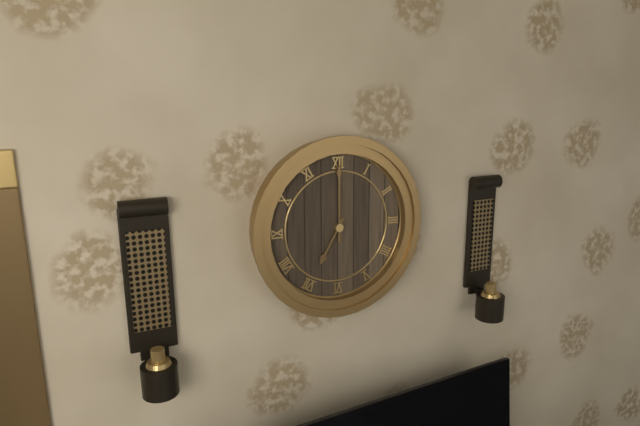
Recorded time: 7:00
